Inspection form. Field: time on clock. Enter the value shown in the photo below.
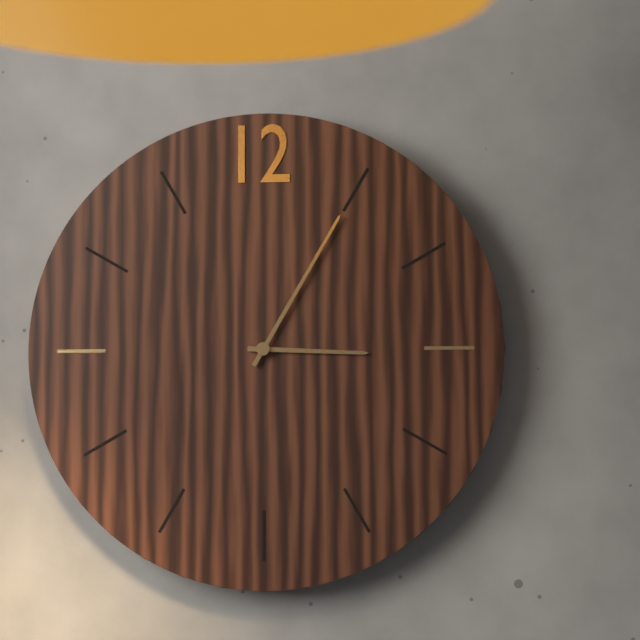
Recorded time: 3:05
